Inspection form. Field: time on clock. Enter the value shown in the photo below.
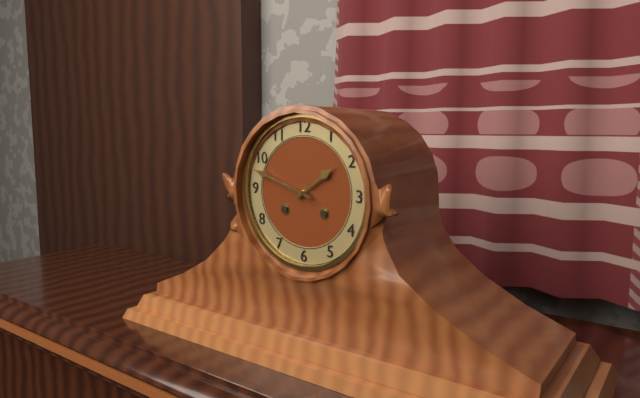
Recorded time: 1:48
